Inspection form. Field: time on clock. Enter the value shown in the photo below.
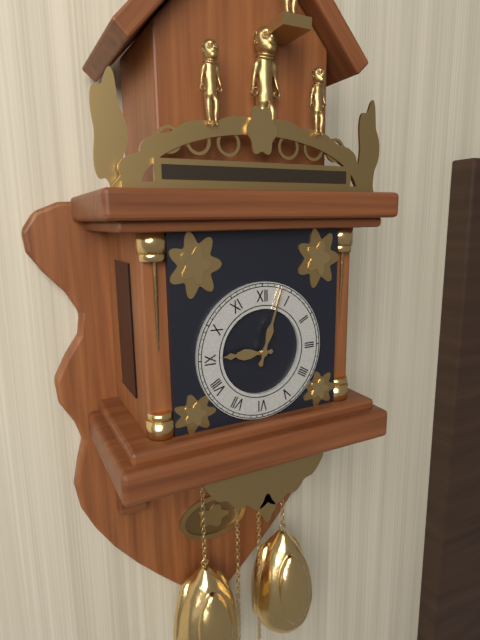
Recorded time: 9:03
